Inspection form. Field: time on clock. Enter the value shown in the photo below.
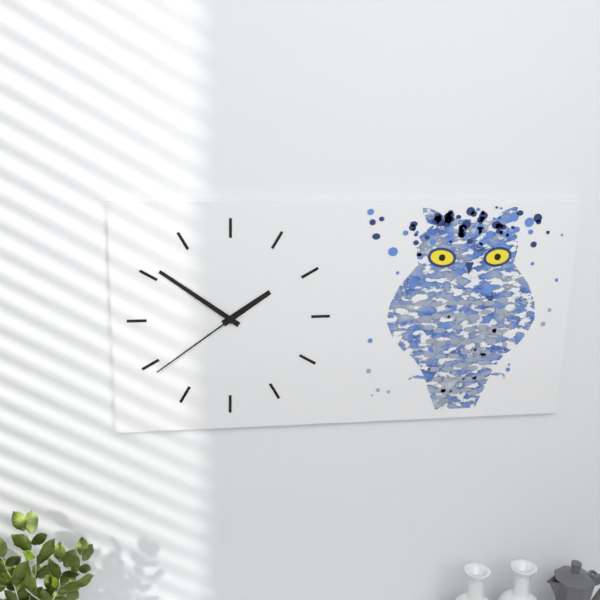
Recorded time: 1:51:39
